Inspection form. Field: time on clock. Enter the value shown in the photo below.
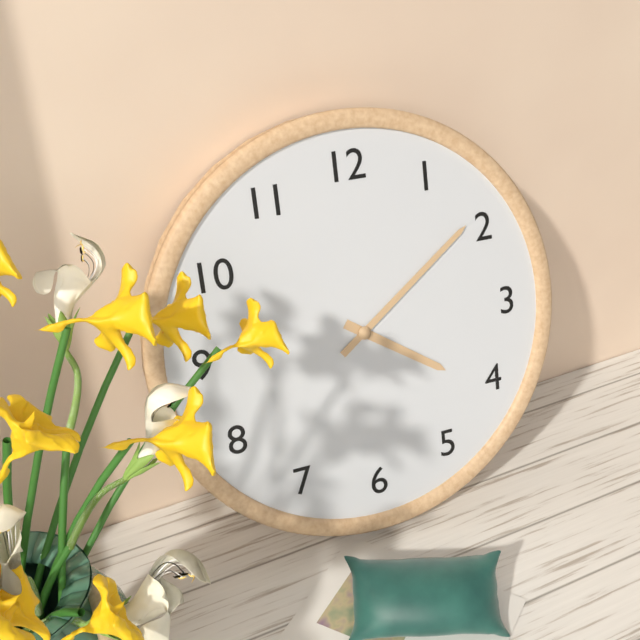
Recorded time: 4:09
